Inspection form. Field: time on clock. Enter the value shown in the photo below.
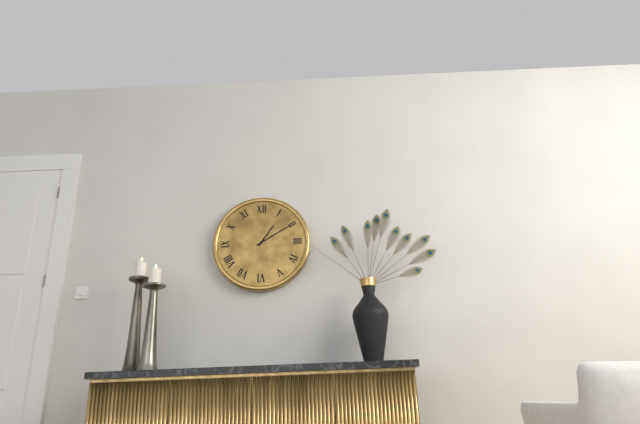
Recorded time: 1:10
